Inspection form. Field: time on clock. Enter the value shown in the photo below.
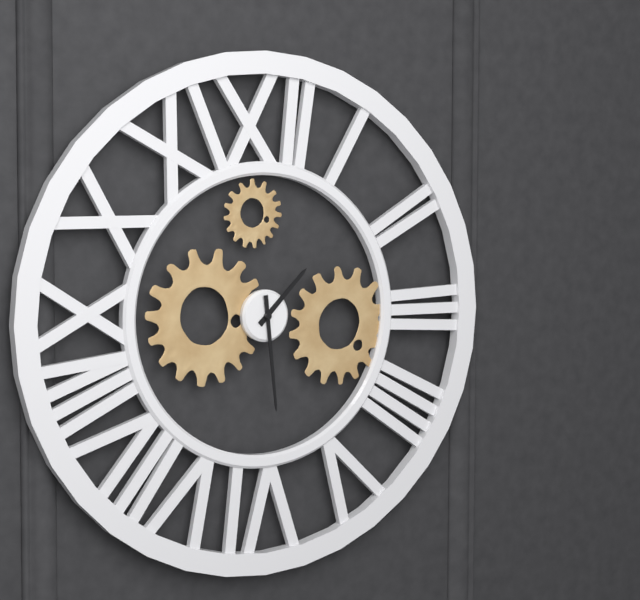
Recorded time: 1:29
